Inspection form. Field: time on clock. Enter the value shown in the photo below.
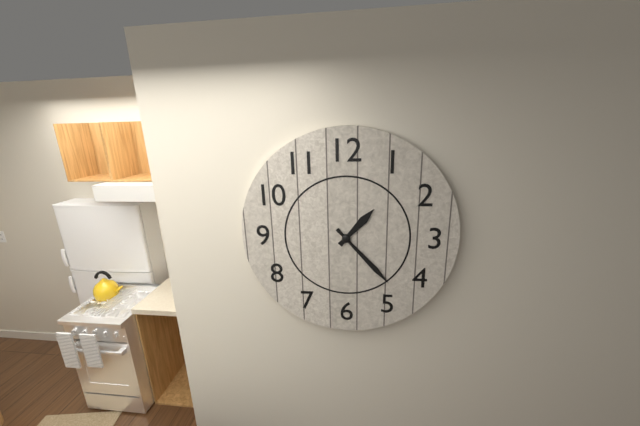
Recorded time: 1:23
